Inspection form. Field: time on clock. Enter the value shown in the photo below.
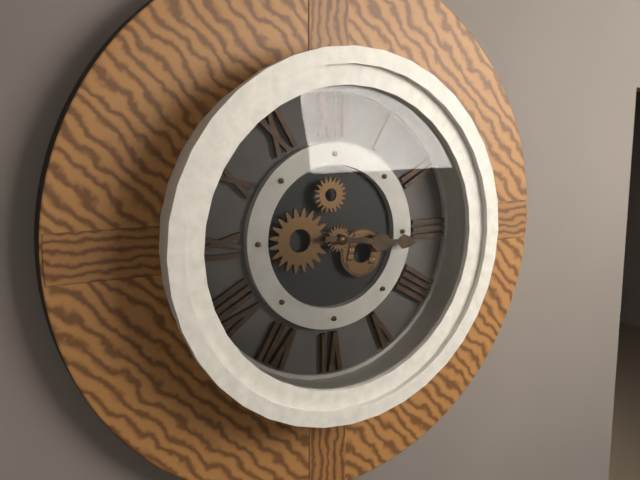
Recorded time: 3:16
